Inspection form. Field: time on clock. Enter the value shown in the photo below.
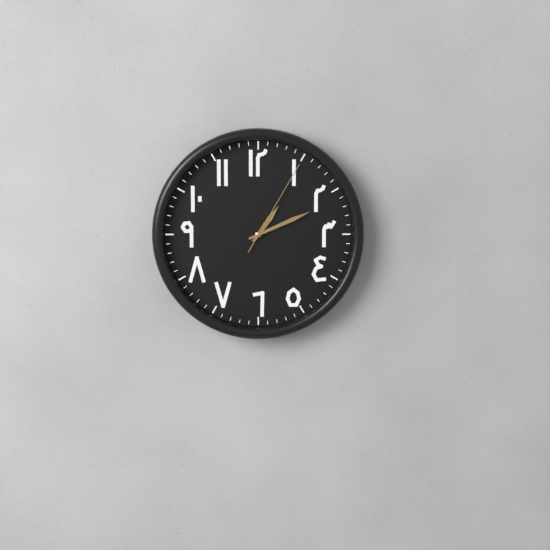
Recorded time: 1:11:05
